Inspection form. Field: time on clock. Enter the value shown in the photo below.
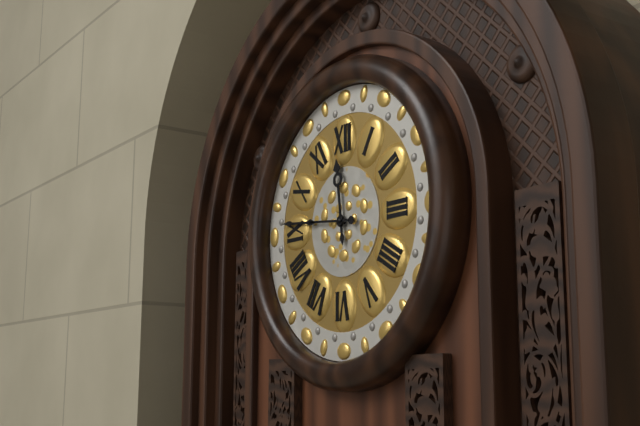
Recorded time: 11:46
